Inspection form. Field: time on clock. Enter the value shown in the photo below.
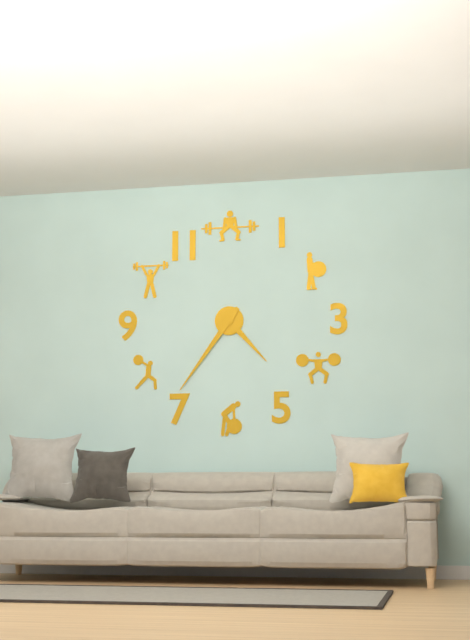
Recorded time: 4:36
